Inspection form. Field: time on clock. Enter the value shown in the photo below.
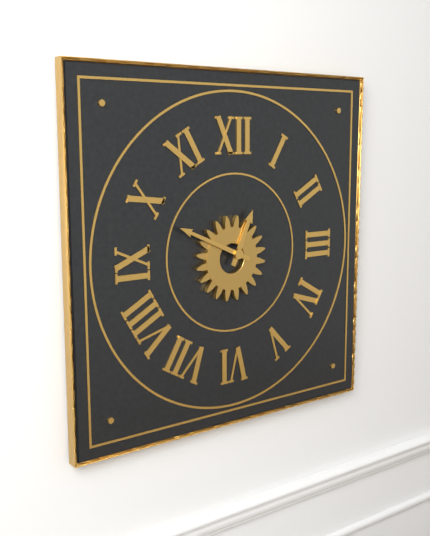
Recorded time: 12:49
